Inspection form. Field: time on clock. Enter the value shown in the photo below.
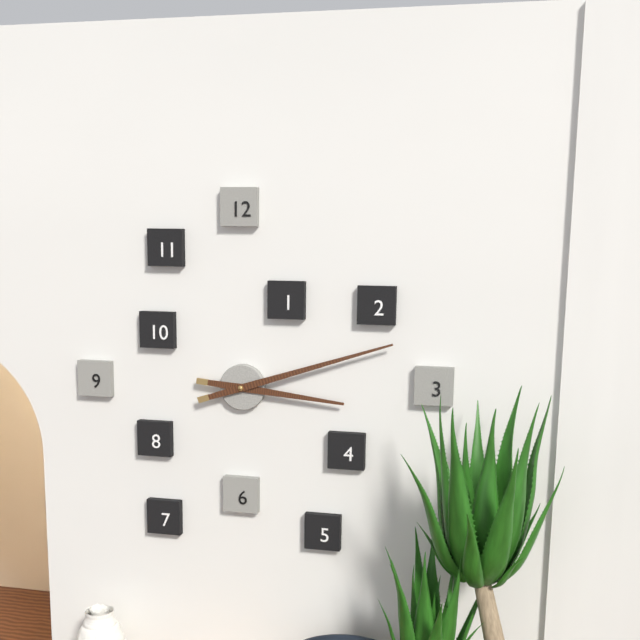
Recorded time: 3:12
